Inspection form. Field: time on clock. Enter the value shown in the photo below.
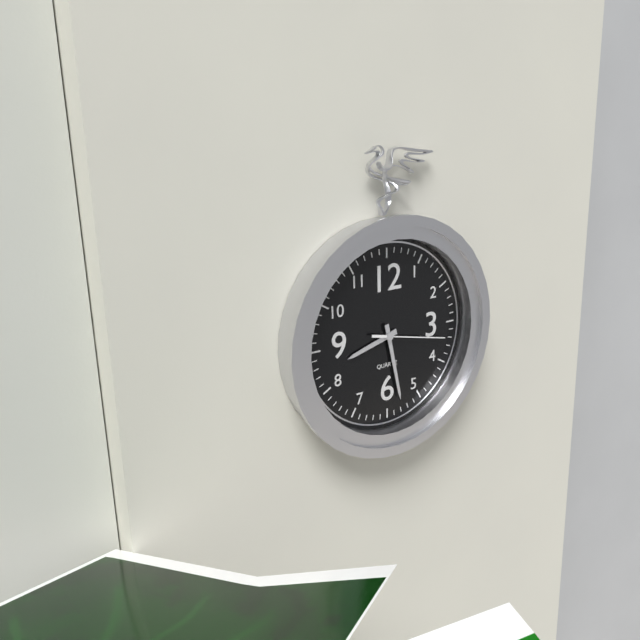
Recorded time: 8:28:17
